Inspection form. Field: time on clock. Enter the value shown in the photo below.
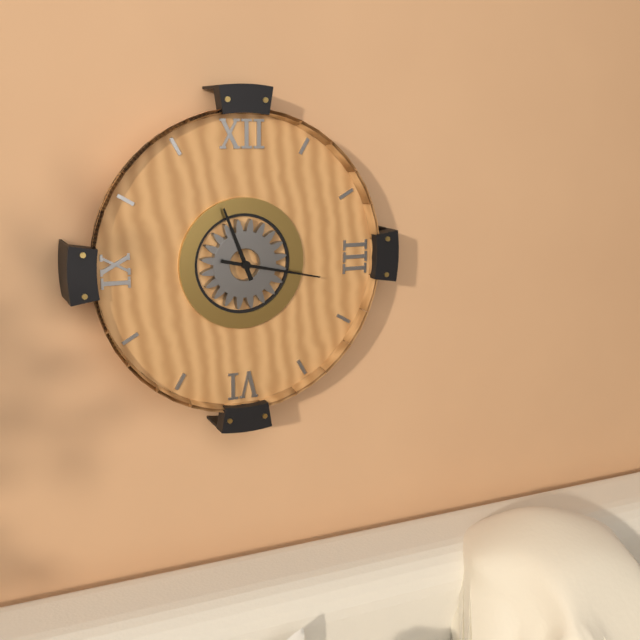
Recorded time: 11:17
